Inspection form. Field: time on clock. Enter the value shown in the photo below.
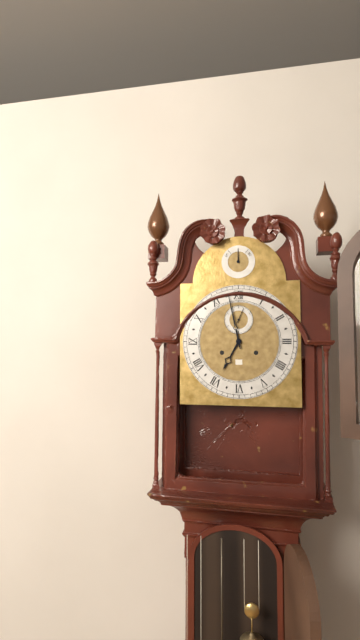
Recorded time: 6:58
